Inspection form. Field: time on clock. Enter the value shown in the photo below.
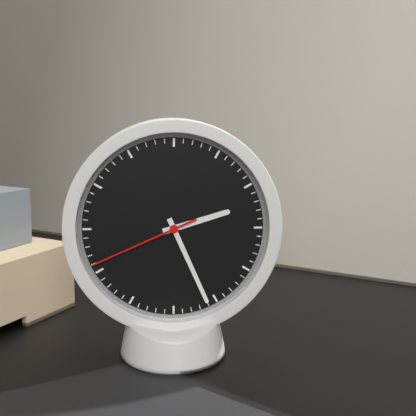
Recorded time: 2:26:41
